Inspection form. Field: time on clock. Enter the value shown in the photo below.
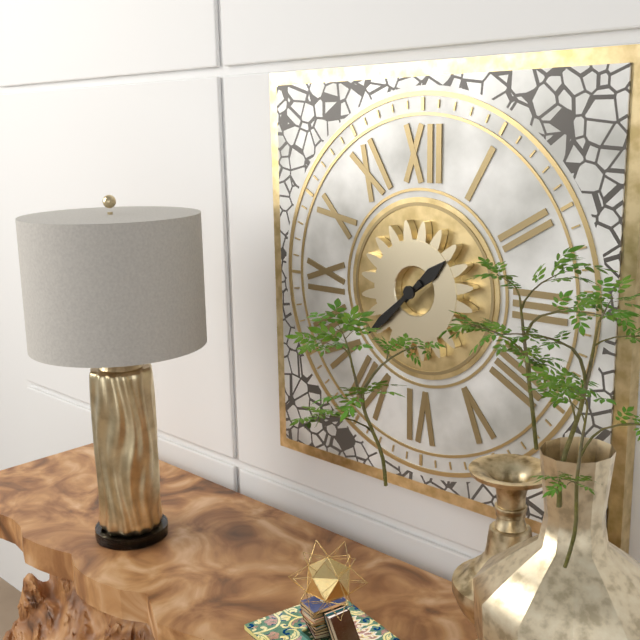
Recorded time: 1:38
